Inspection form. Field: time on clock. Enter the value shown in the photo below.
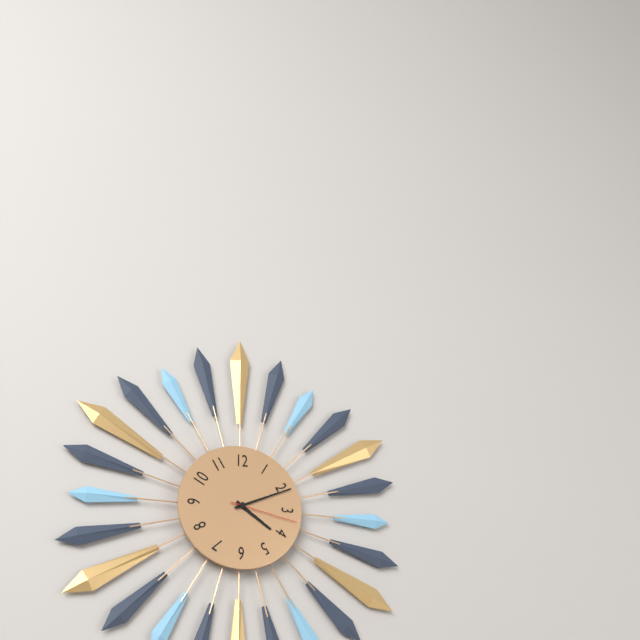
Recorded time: 4:11:17
